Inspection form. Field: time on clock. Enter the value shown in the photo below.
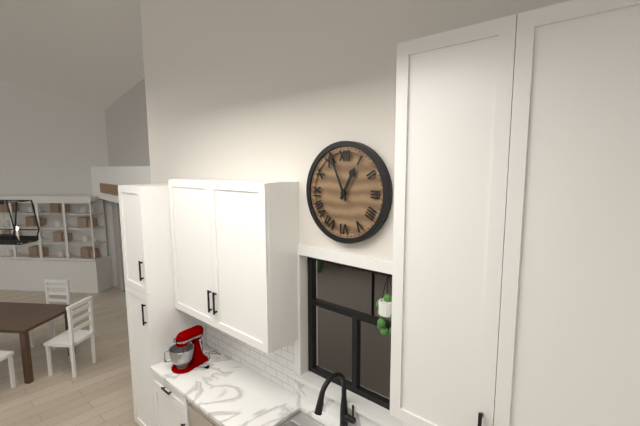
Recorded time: 12:56
